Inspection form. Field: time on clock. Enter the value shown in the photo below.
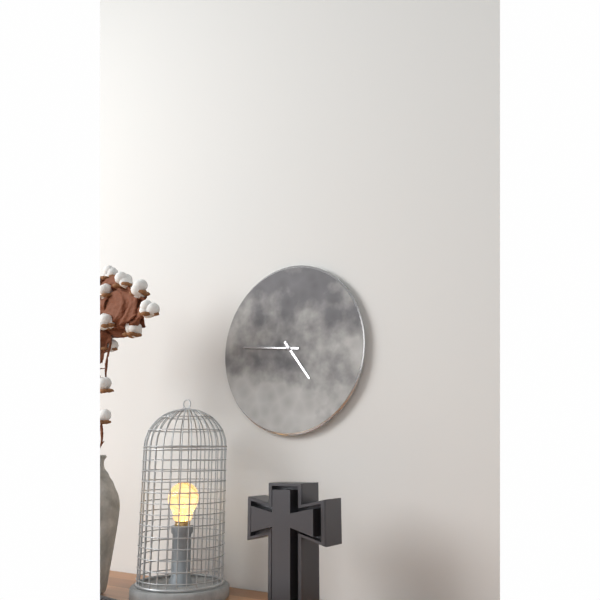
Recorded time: 4:46
